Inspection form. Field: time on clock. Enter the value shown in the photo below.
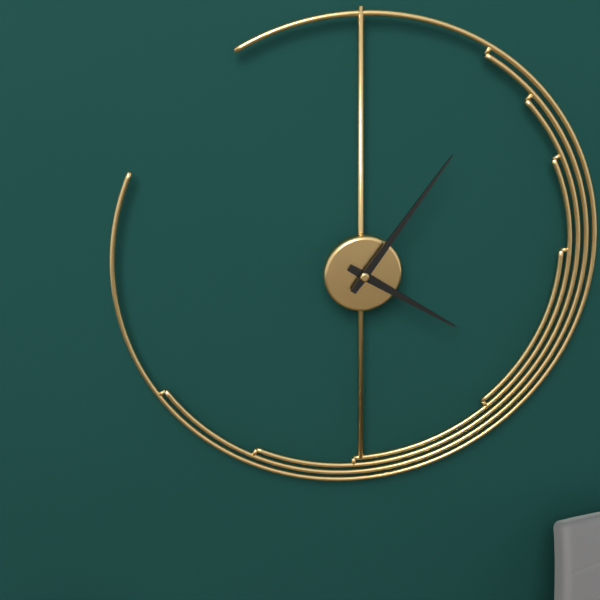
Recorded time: 4:06
